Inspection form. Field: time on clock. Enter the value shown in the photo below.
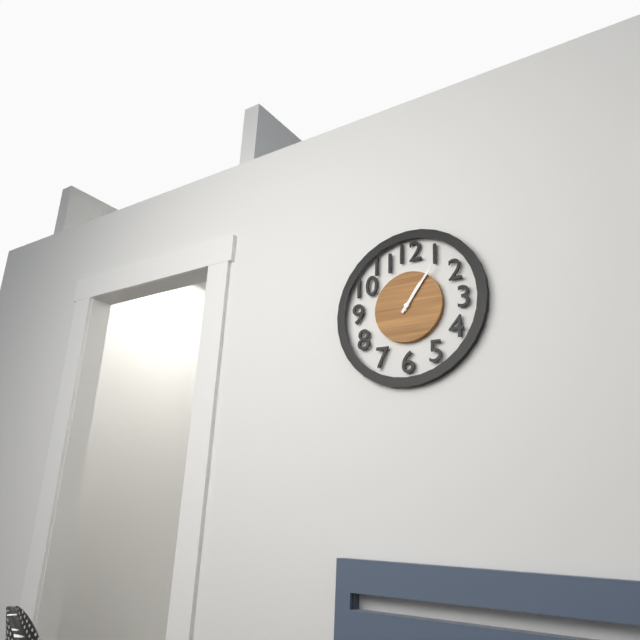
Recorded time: 1:06
